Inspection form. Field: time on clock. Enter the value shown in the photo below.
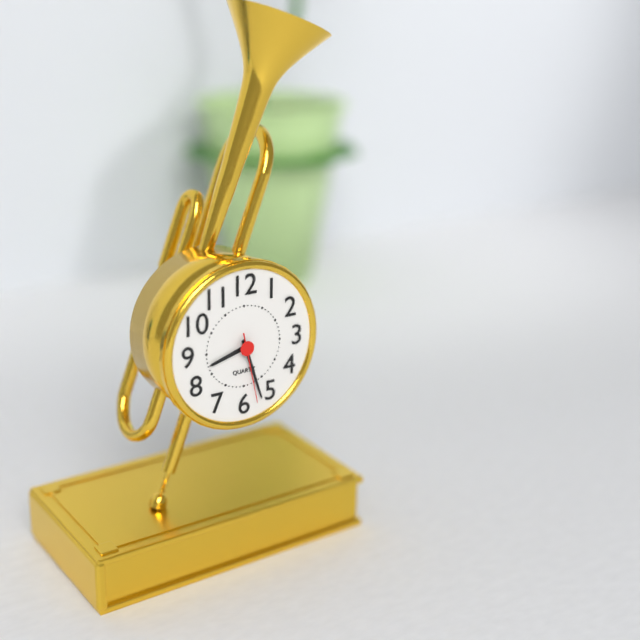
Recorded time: 8:27:28
